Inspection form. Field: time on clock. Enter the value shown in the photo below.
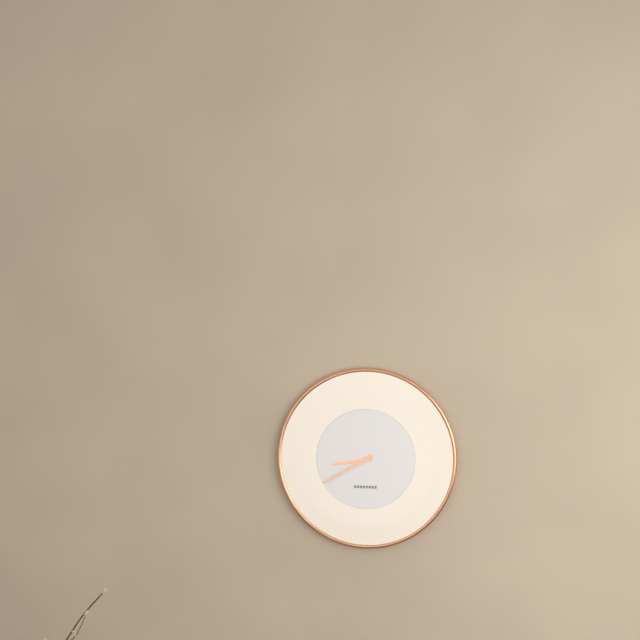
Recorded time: 8:40
